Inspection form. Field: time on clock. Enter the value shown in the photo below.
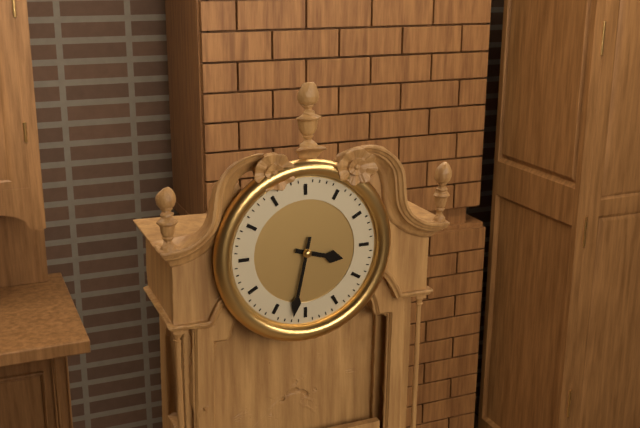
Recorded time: 3:32
